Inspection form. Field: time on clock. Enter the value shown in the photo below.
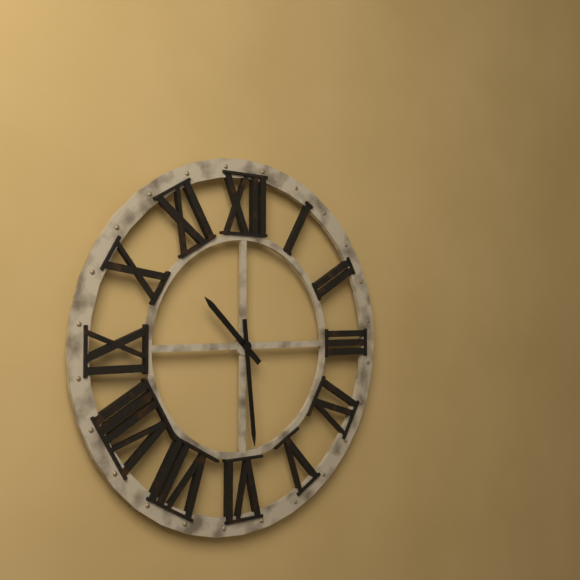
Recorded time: 10:29
